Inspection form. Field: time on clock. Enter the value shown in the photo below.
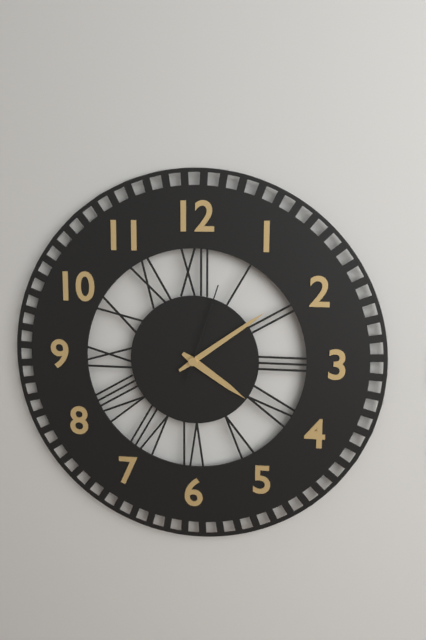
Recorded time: 4:09:03
